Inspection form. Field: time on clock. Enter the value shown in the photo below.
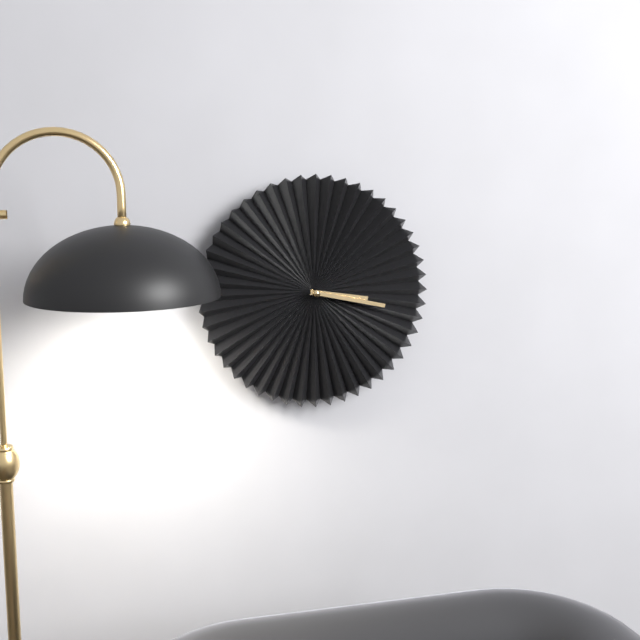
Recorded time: 3:17
